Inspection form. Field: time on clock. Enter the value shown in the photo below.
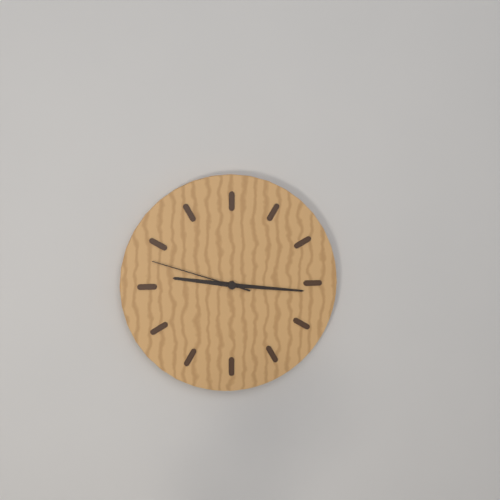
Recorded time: 9:16:48
